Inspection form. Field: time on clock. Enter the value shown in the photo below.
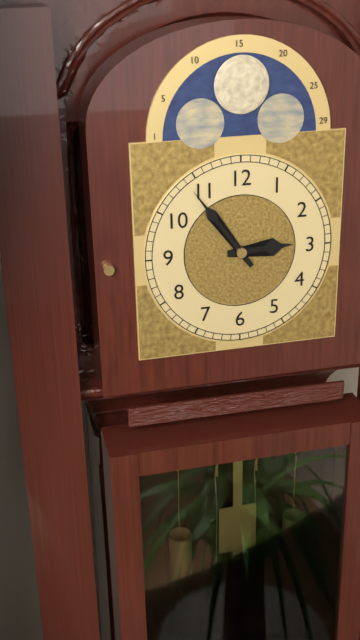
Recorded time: 2:54
